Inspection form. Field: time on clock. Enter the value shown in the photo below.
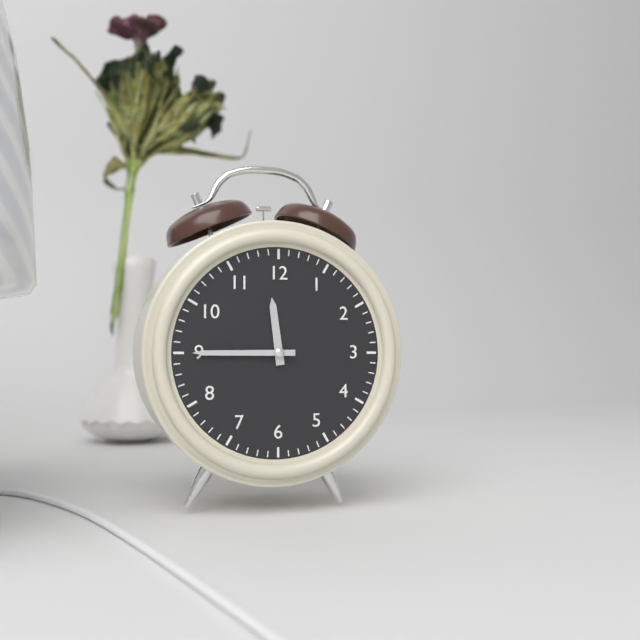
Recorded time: 11:45
